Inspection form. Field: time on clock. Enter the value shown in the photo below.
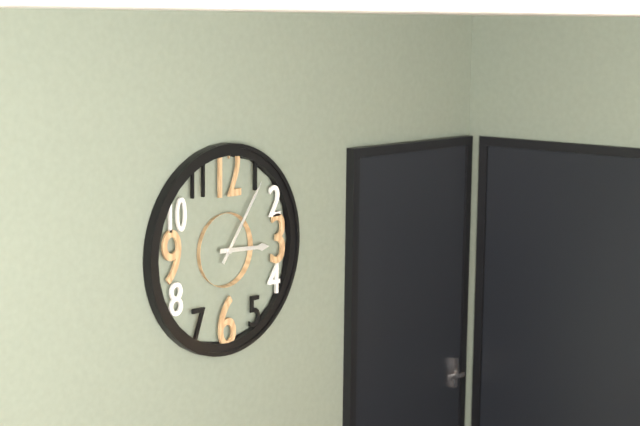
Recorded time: 3:06
